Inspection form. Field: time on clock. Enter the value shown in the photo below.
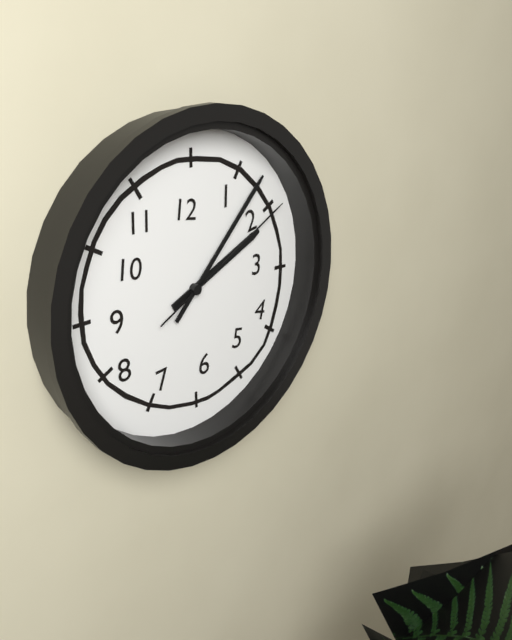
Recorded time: 2:07:10
